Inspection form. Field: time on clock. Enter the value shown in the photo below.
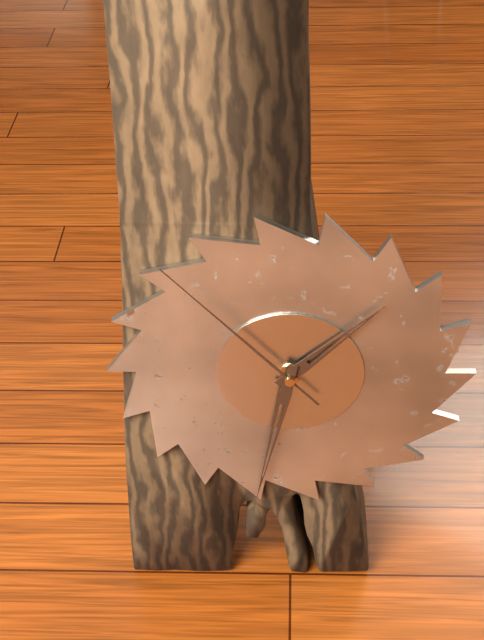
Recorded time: 1:32:53
